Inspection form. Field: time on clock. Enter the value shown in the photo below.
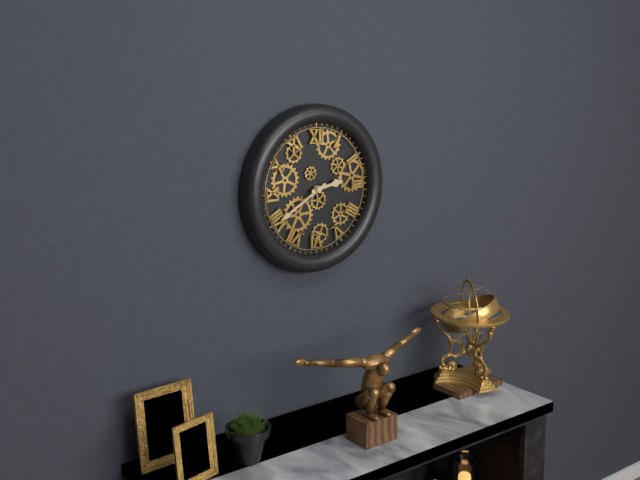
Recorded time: 2:40
